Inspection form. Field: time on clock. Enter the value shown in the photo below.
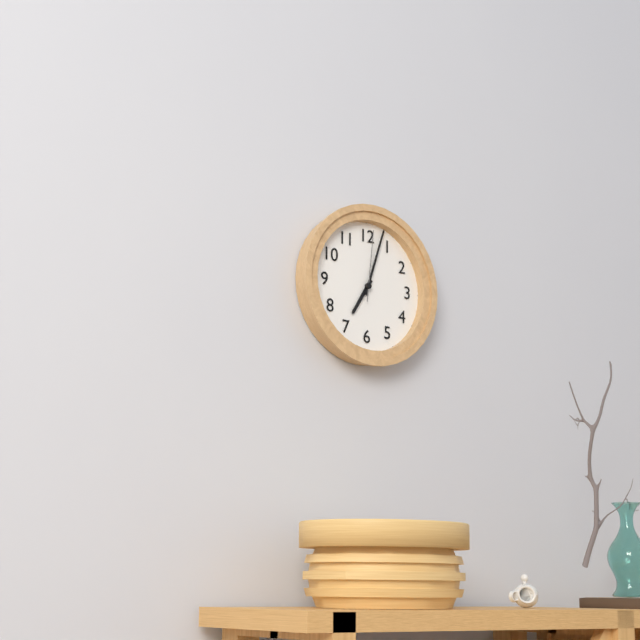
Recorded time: 7:03:01
